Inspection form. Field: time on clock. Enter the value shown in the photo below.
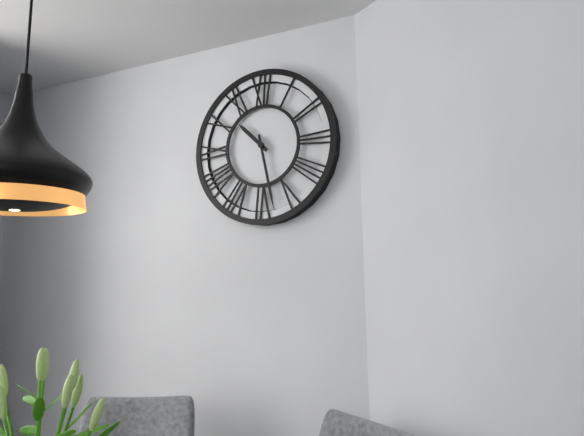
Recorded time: 10:28
